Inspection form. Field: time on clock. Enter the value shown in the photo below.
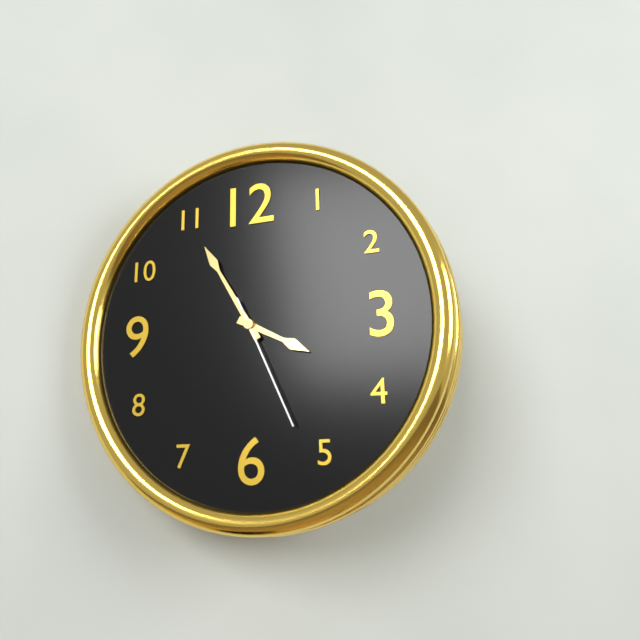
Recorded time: 3:55:26
